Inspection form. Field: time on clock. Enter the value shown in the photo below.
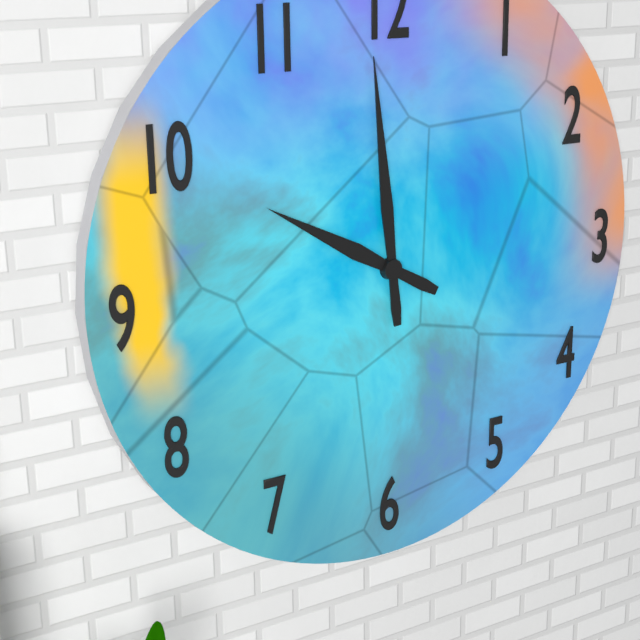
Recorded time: 9:59
